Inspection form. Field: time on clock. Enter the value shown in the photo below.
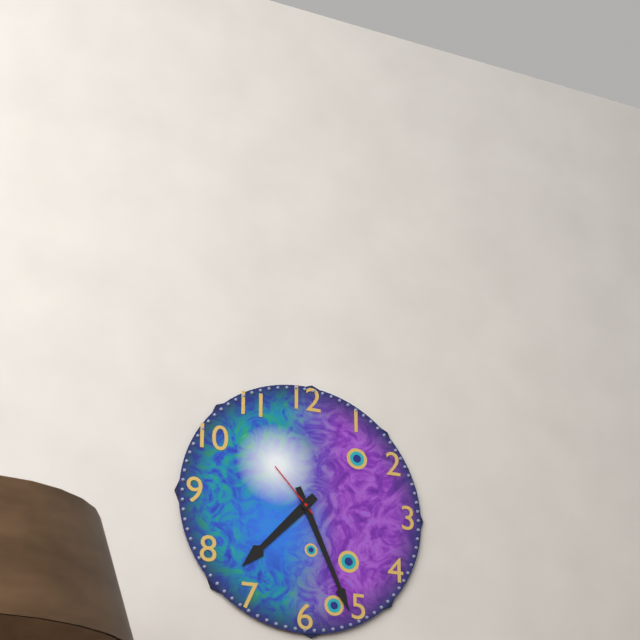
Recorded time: 7:26:53
